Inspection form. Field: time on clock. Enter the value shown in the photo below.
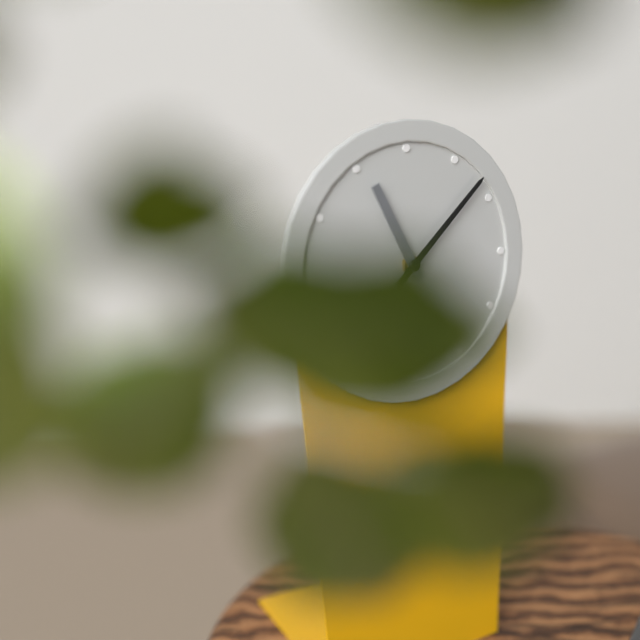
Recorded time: 11:08
